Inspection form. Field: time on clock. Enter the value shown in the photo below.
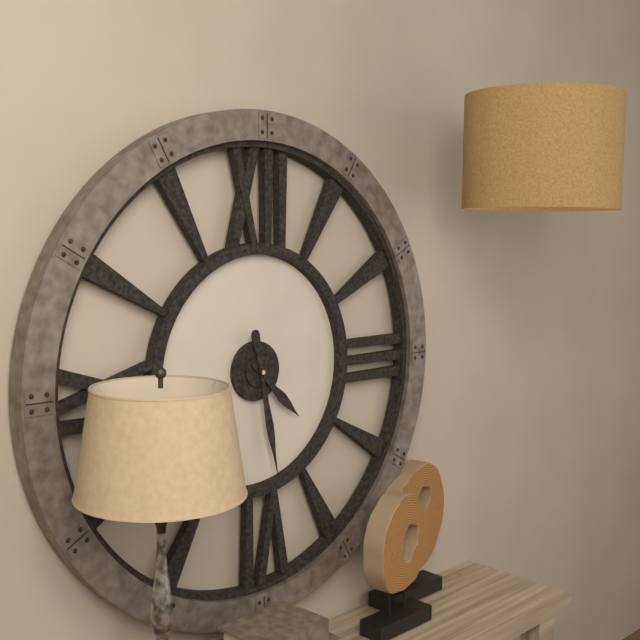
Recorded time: 4:28
